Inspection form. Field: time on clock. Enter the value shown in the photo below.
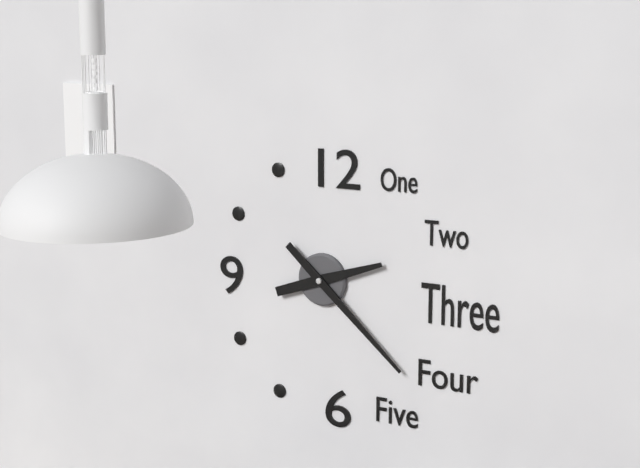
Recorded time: 2:22
